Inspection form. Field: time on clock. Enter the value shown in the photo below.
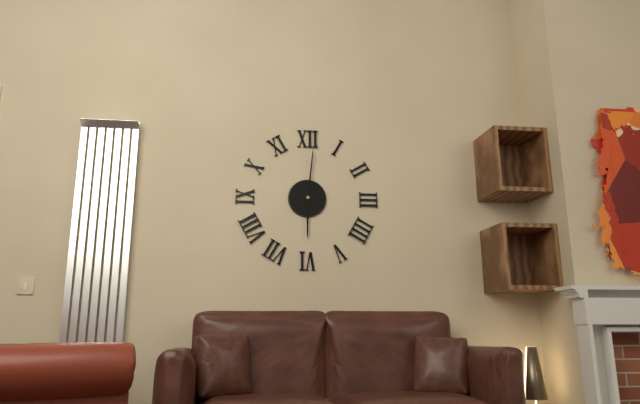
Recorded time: 6:01
